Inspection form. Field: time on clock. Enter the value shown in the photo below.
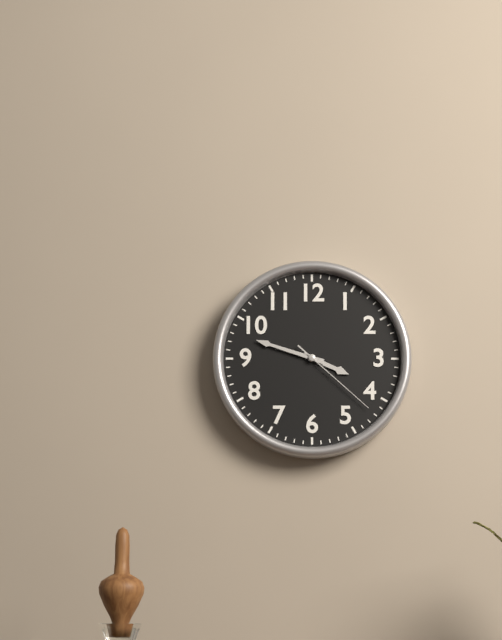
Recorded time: 3:48:22
